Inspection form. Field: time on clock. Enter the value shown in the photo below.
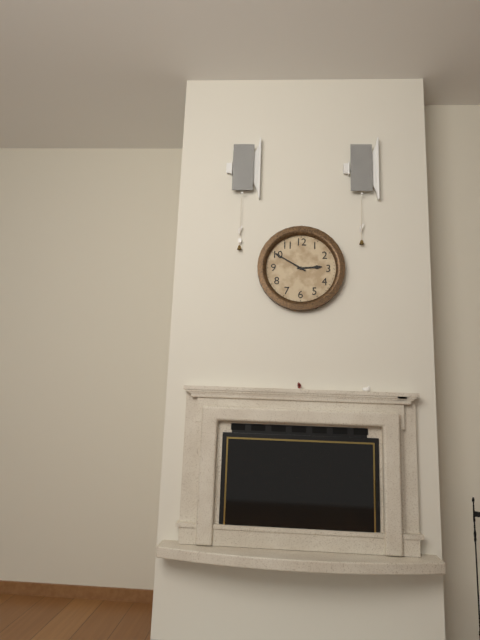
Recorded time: 2:50
